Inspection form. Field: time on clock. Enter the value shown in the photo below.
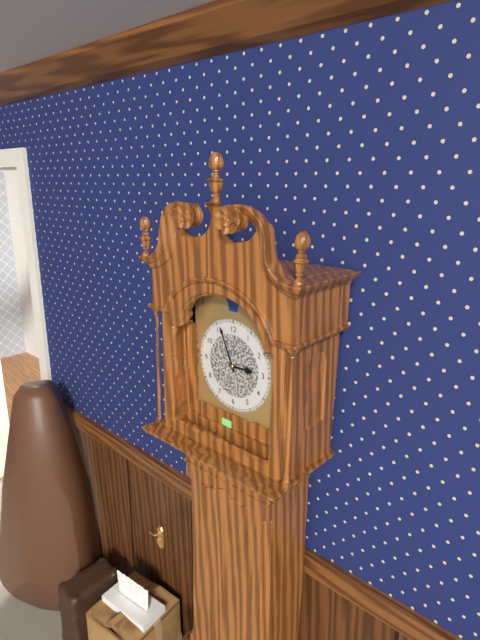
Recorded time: 2:56
